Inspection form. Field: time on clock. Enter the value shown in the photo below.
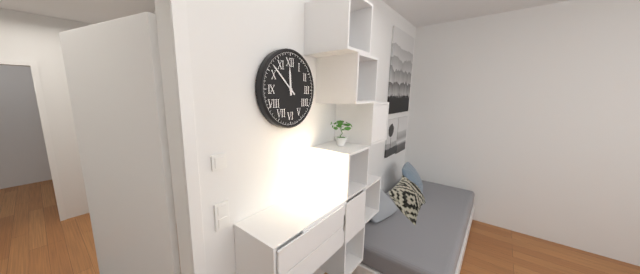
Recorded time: 11:52
